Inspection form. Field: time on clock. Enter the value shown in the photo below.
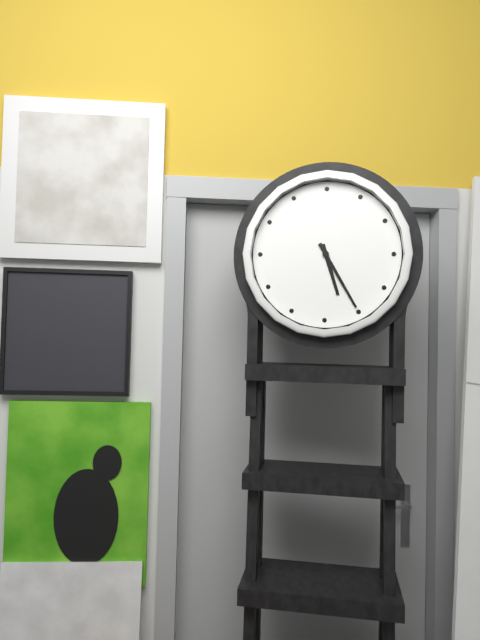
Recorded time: 5:25
